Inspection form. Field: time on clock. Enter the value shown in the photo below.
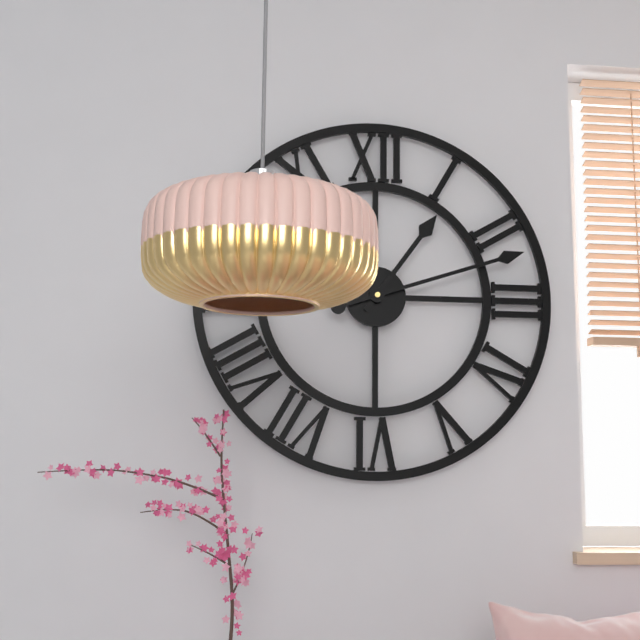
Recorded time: 1:12
